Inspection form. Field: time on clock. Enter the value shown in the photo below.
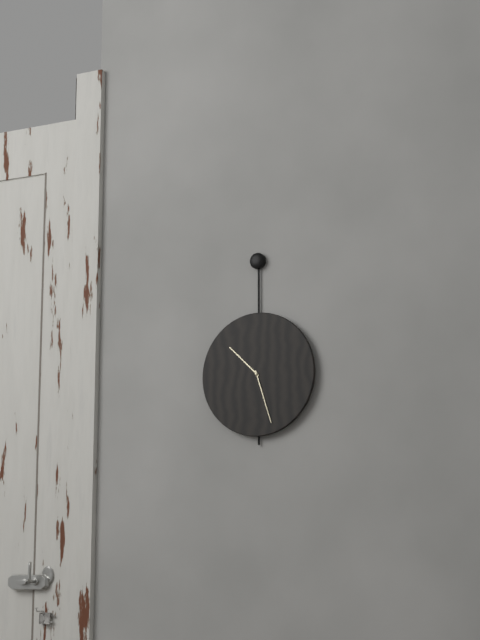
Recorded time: 10:27
